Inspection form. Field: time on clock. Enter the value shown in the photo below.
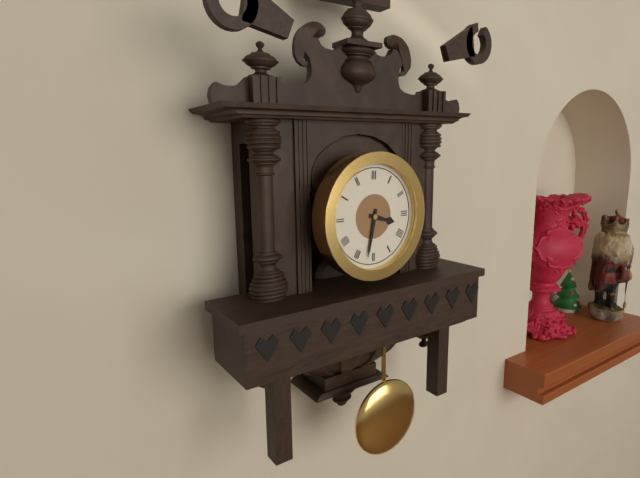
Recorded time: 3:32
